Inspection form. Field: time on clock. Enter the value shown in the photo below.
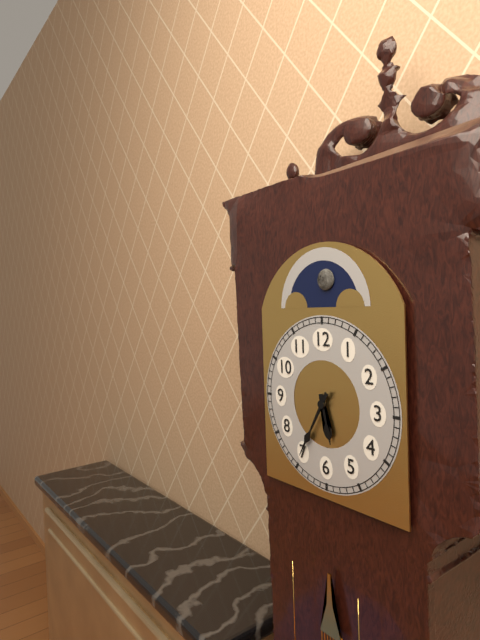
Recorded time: 5:35
